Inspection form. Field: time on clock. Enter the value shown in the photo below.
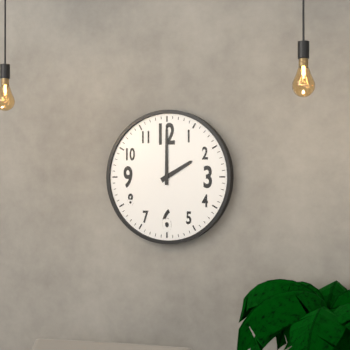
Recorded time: 2:00
